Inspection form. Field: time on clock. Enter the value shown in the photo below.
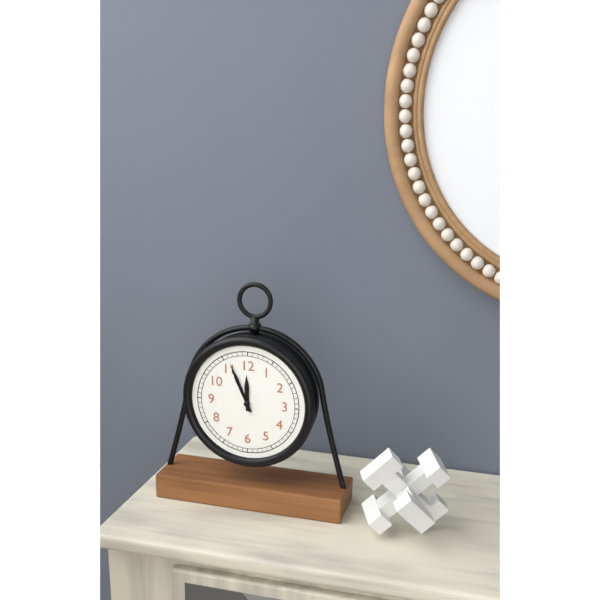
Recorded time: 11:56
